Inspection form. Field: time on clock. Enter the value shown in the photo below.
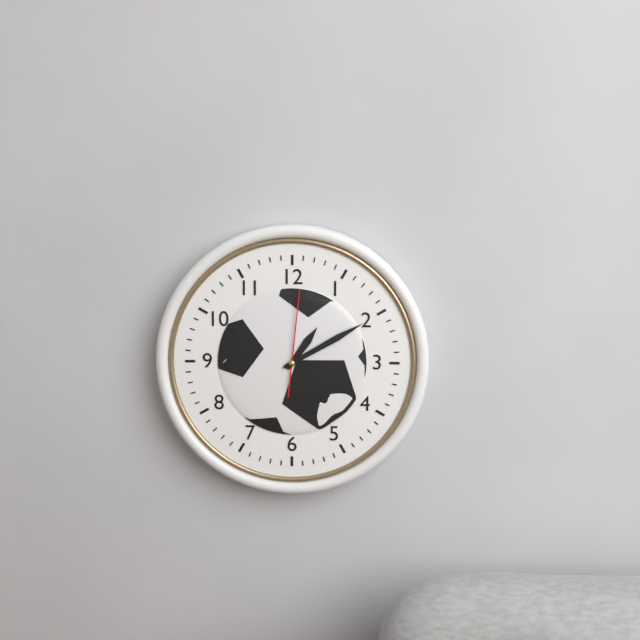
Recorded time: 1:10:01
